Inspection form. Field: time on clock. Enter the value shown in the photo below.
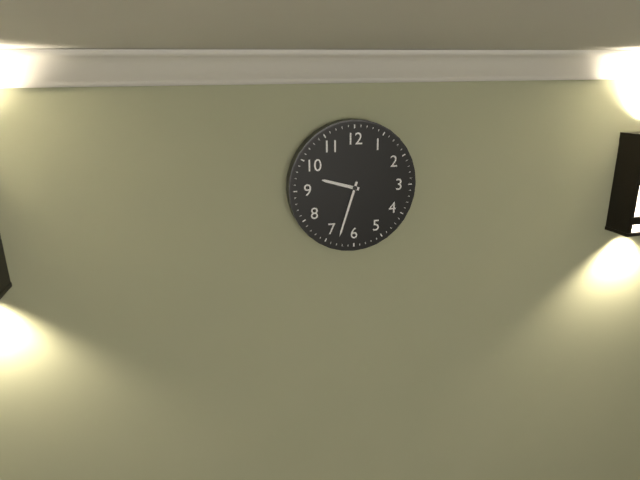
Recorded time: 9:33
